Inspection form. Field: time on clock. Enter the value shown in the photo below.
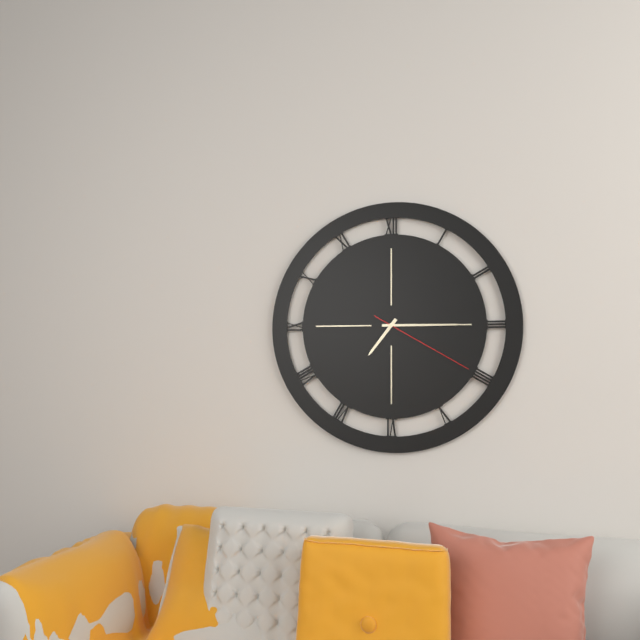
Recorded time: 7:15:20
